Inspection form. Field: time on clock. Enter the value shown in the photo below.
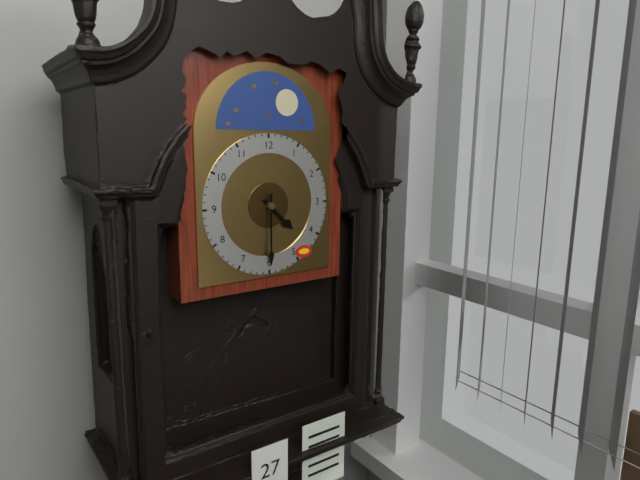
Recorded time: 4:30
